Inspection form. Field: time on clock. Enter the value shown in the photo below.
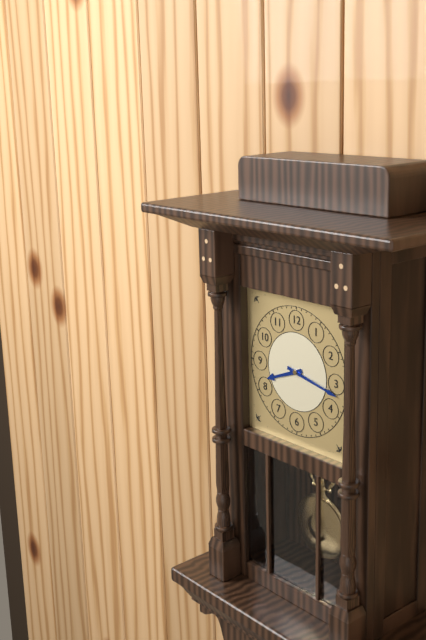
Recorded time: 8:17
